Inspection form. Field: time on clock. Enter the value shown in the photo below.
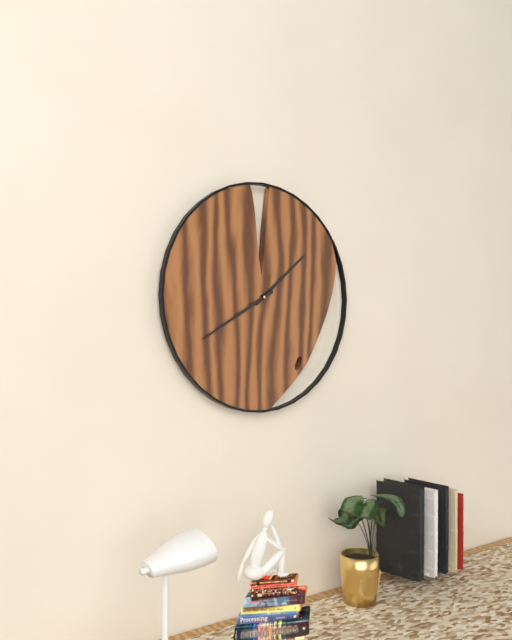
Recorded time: 1:40
